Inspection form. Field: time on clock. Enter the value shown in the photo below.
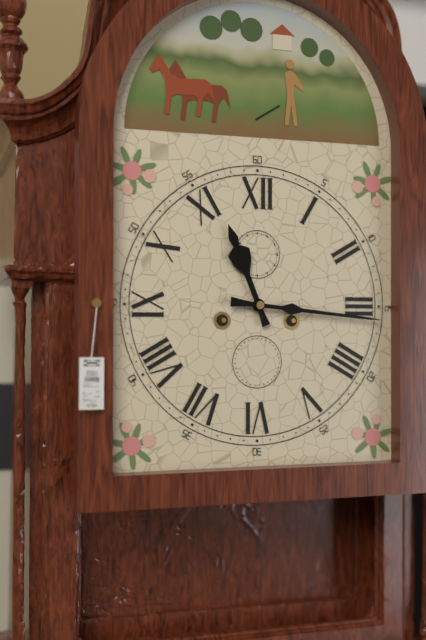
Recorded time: 11:16
